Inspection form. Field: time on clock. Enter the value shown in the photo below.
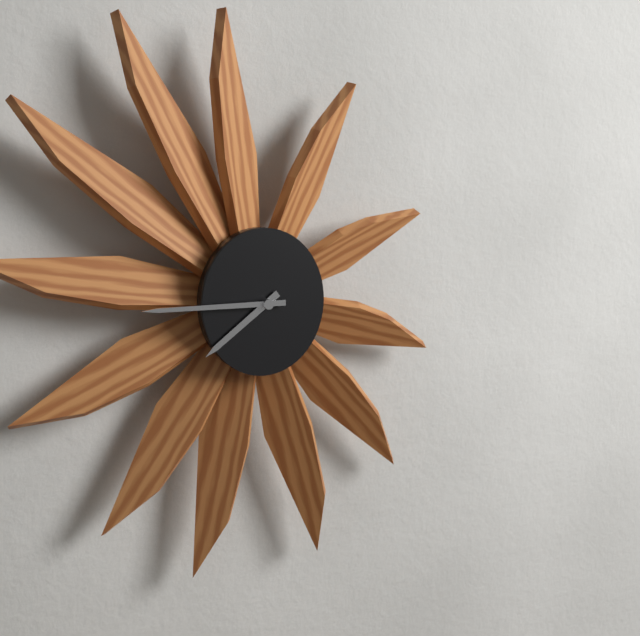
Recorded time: 7:45
